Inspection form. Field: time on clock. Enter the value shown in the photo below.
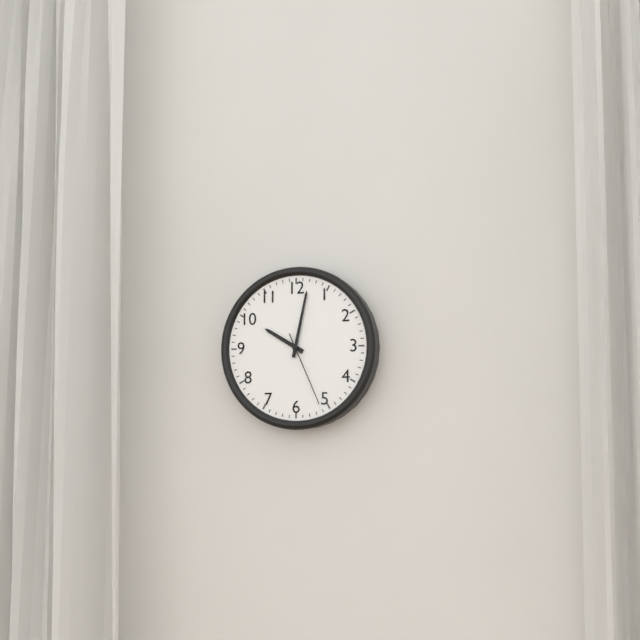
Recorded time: 10:02:26
